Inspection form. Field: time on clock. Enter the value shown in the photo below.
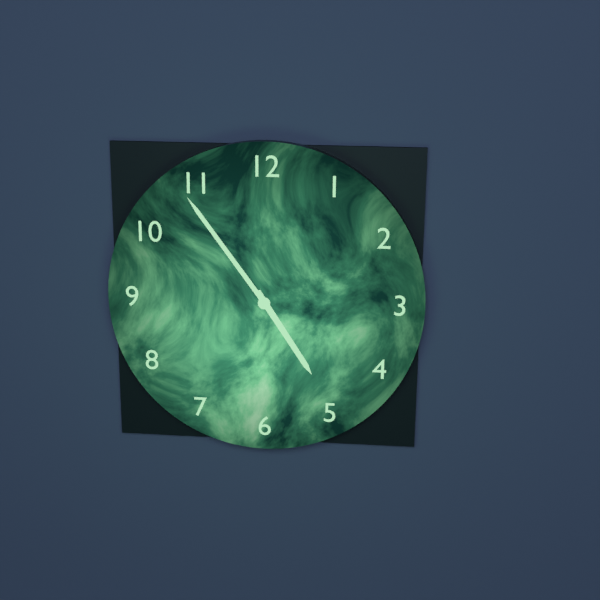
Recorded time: 4:54
